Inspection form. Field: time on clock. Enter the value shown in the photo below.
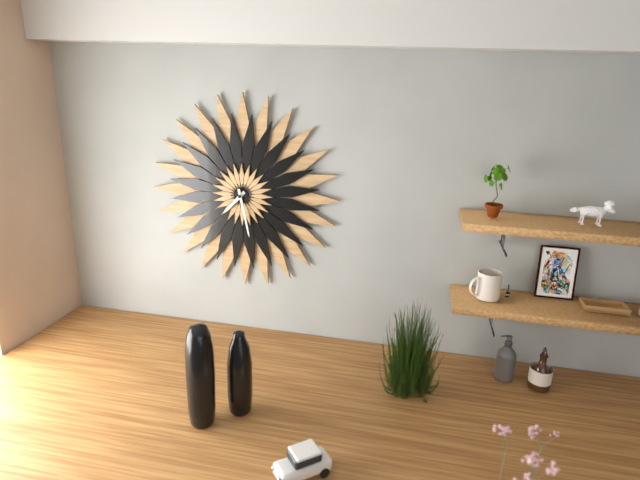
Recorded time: 7:28
